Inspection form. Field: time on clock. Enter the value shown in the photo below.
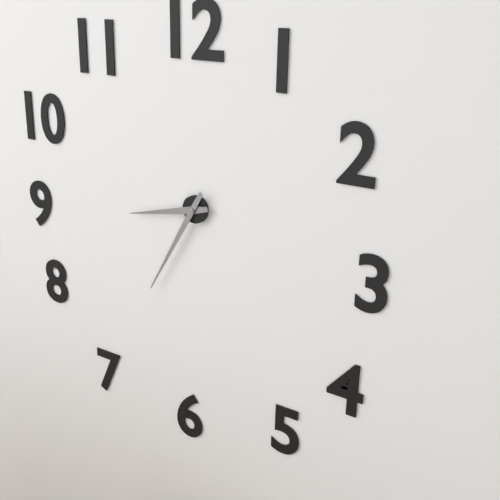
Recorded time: 8:35
